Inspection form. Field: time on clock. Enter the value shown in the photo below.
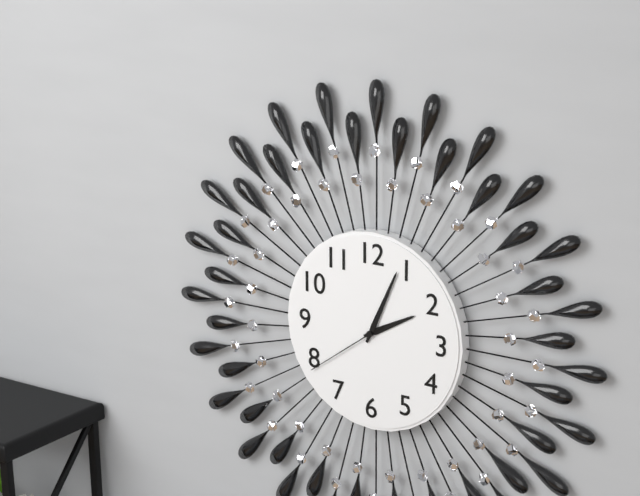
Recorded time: 2:04:39
